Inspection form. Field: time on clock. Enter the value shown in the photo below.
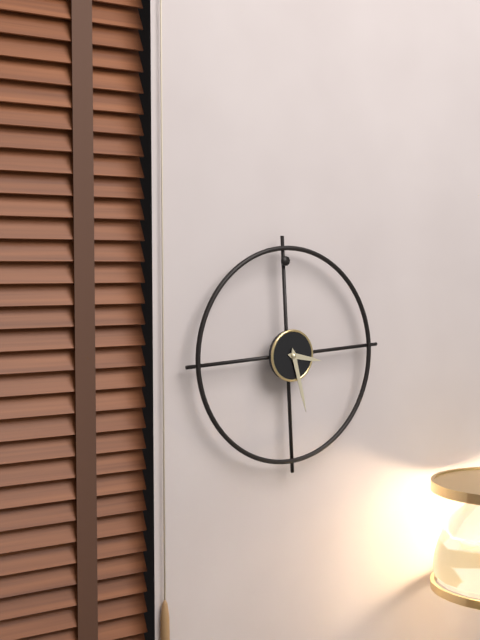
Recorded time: 3:28
